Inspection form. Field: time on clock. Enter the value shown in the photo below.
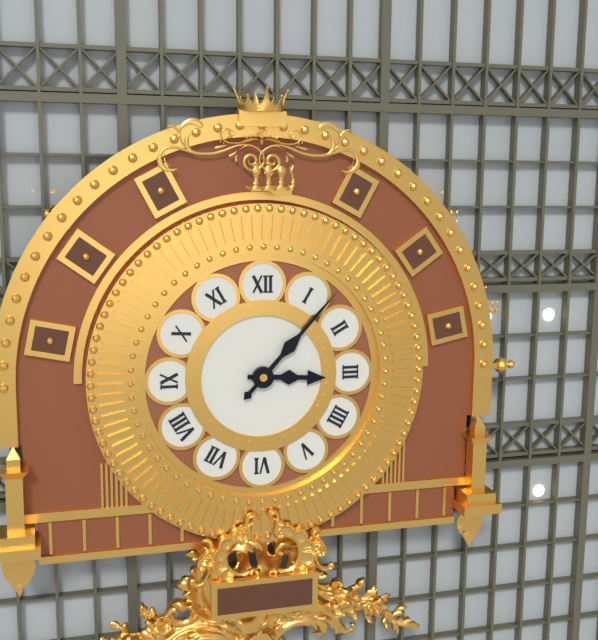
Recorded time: 3:07
